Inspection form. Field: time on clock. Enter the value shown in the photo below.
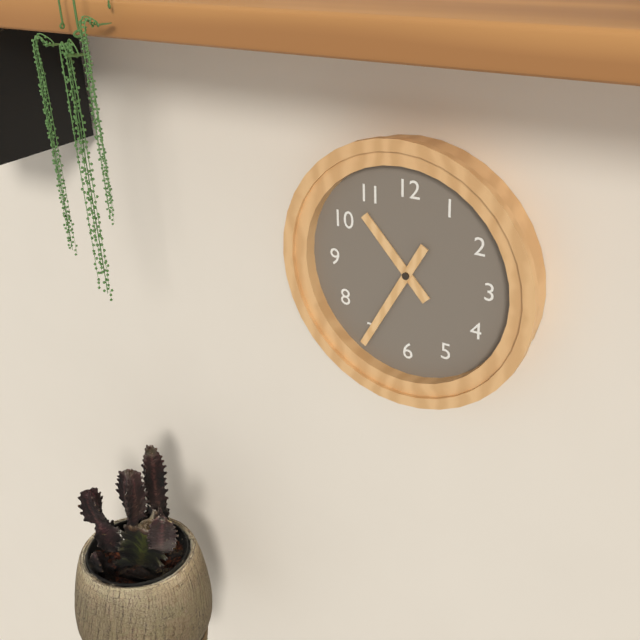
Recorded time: 10:35
